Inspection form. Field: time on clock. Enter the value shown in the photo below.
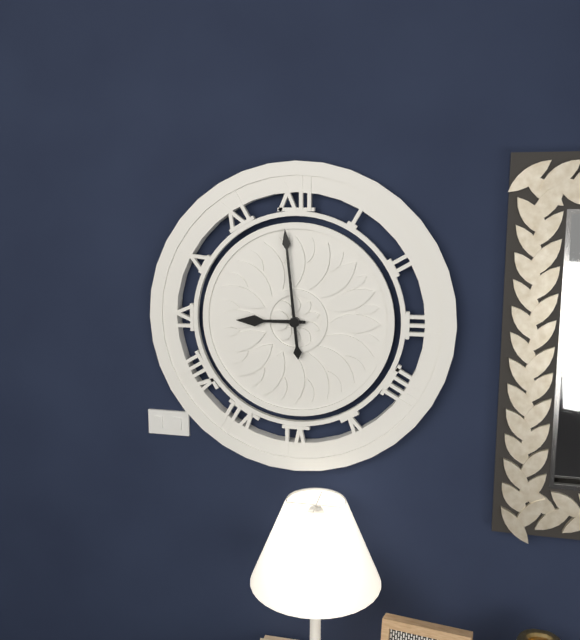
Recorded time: 8:59
